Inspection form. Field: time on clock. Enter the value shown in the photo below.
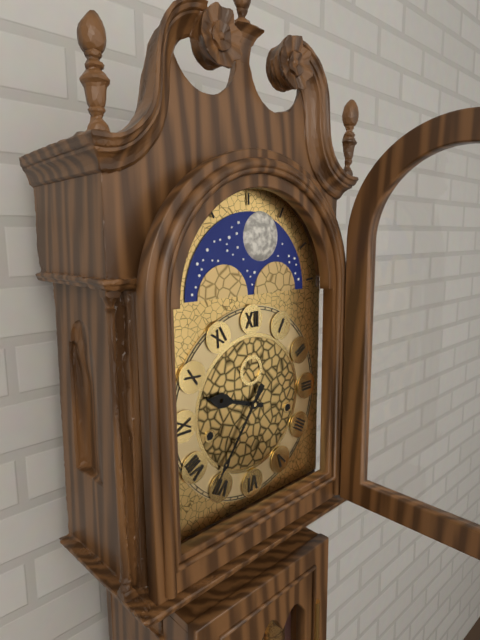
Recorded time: 9:36
